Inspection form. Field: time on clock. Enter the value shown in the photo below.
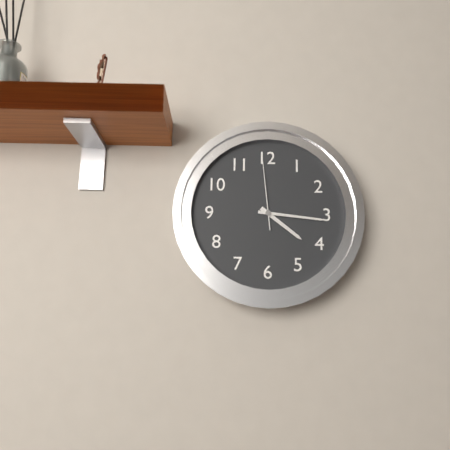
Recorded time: 4:16:59
